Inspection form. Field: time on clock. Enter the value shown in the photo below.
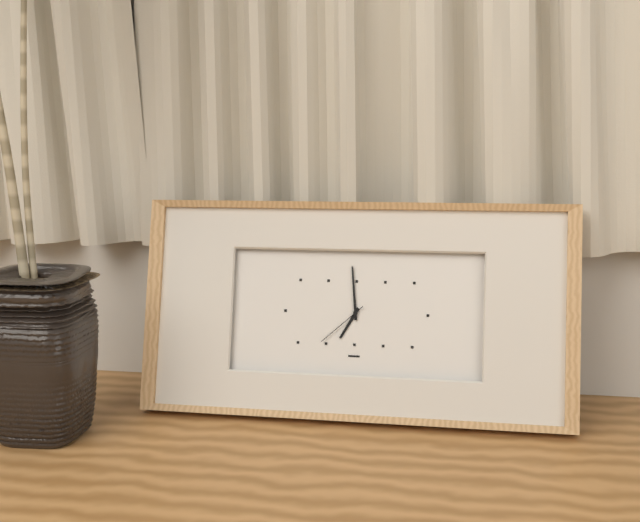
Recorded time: 6:59:38
